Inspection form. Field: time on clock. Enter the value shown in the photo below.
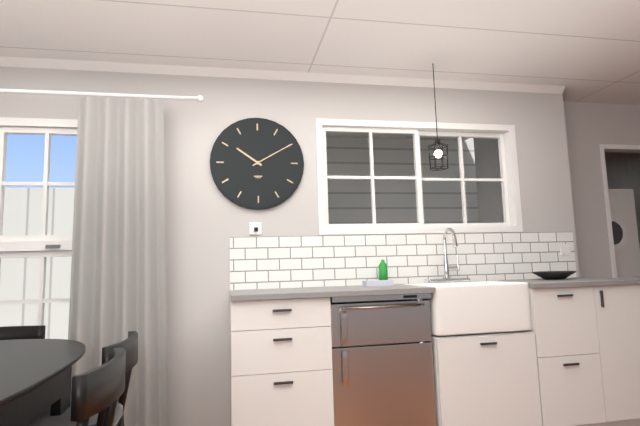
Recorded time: 10:10
